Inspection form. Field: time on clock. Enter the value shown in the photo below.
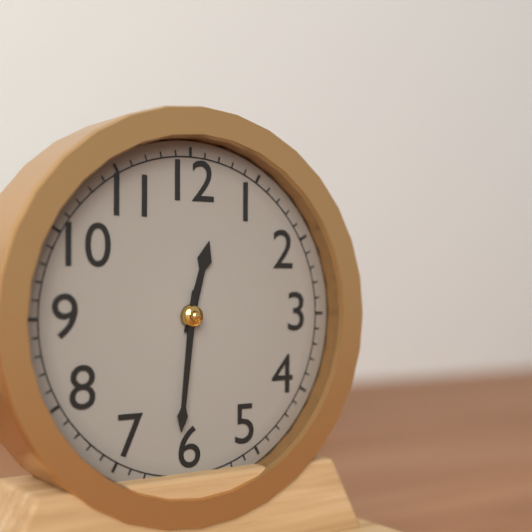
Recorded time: 12:31
